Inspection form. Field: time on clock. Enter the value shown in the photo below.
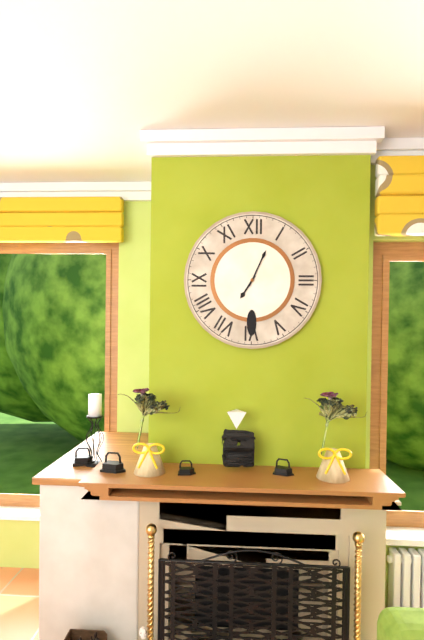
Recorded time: 7:04
